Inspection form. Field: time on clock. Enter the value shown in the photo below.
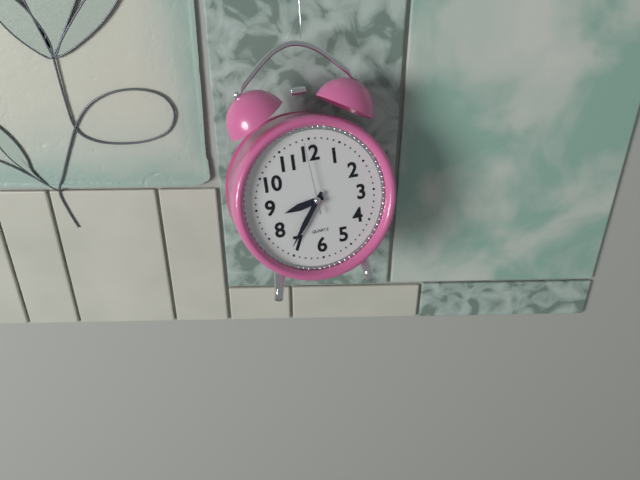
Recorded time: 8:36:59
